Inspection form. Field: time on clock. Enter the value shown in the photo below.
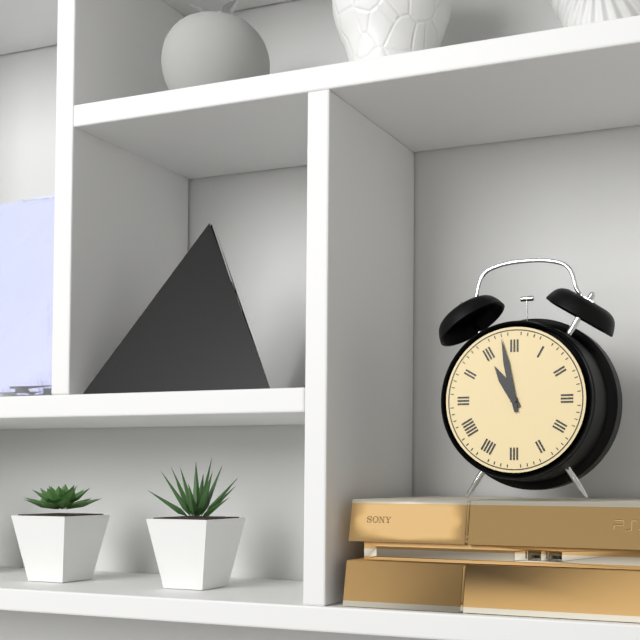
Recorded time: 10:58
